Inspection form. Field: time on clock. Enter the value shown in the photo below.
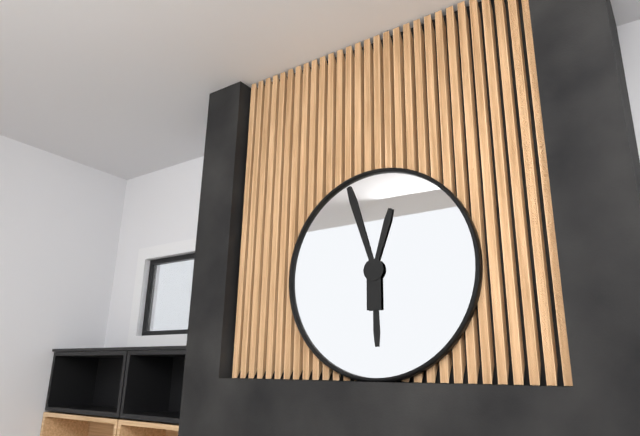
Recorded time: 5:57:03
